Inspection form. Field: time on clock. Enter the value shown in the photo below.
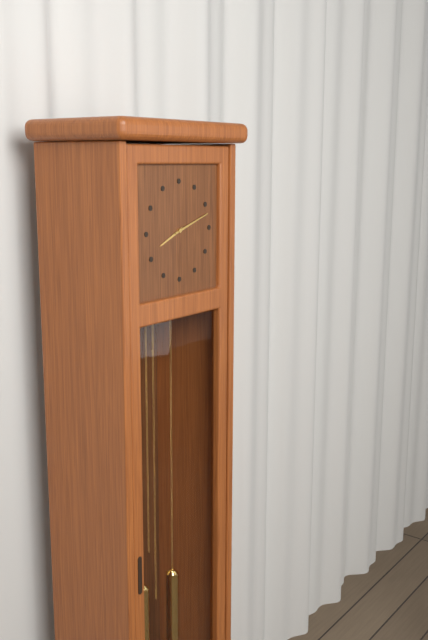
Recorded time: 8:12
